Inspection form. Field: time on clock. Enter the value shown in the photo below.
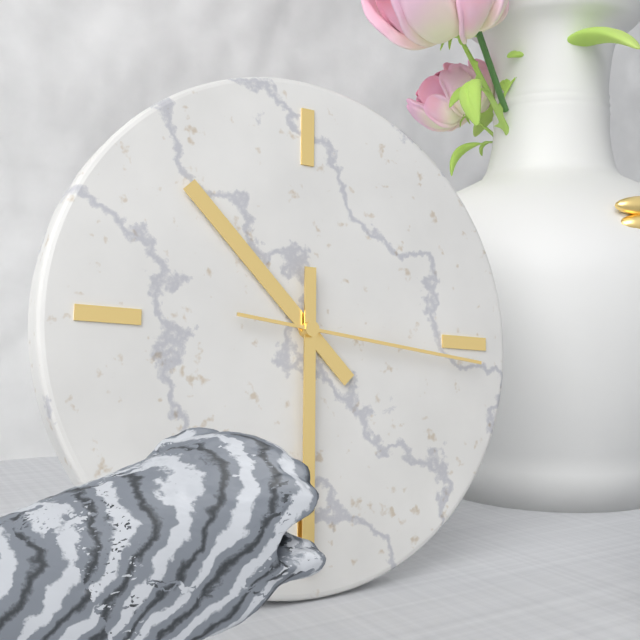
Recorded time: 10:30:16
